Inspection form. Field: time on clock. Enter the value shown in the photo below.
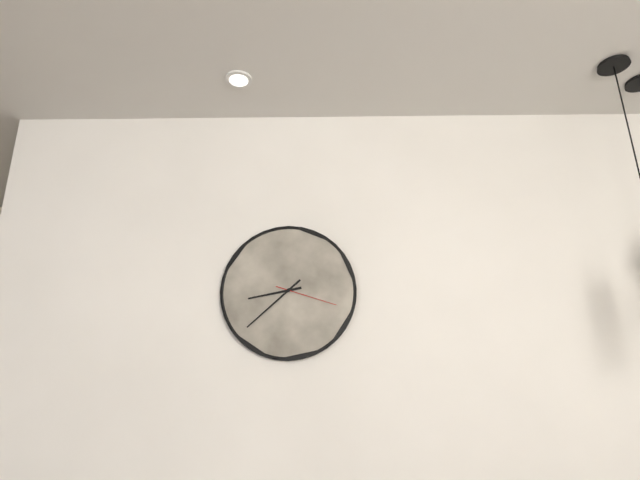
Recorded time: 8:38:18
